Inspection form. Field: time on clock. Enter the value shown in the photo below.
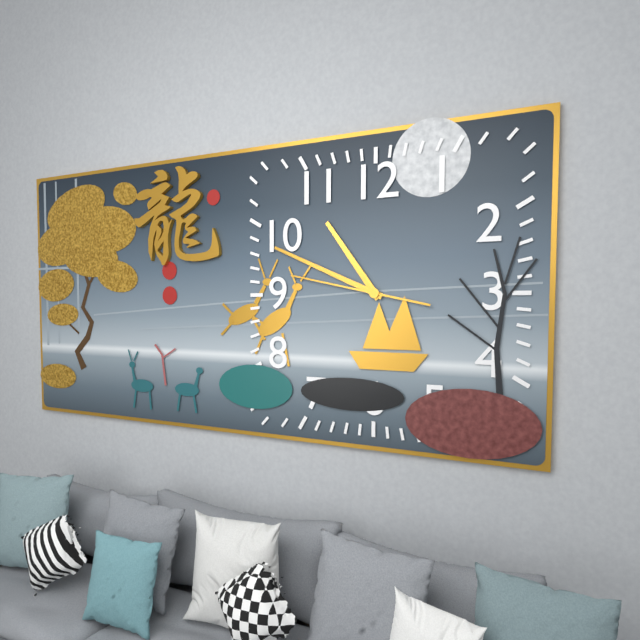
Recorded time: 10:49:47
